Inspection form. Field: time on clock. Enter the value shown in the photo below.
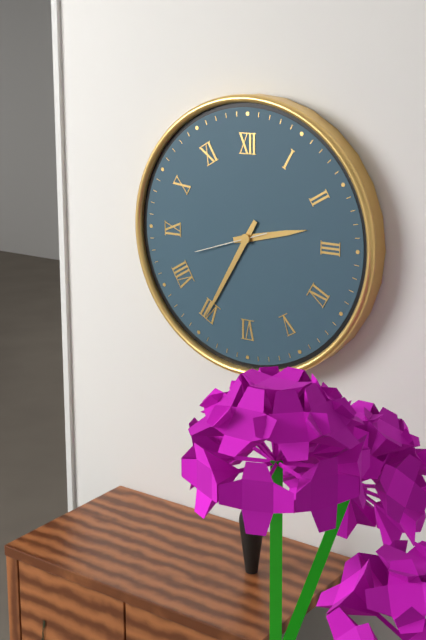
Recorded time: 2:35:42
